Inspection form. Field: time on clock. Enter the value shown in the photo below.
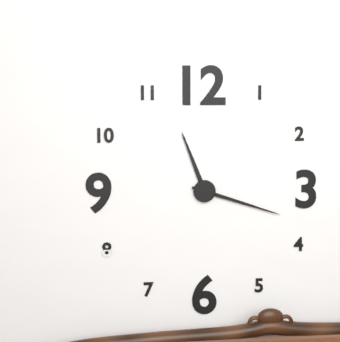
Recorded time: 11:18
